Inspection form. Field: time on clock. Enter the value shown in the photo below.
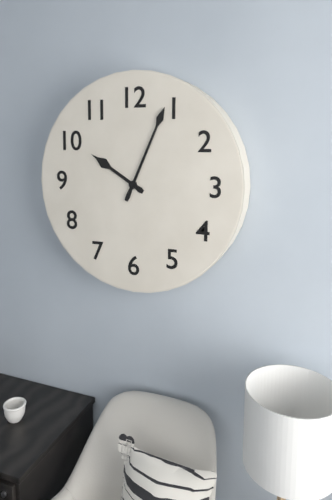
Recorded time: 10:04
